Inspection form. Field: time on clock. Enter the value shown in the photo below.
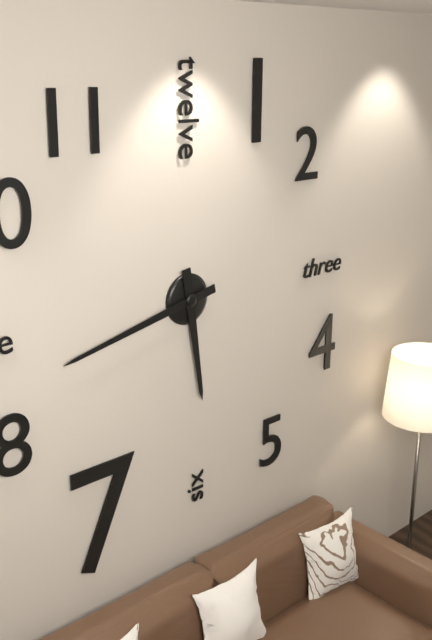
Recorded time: 5:43
